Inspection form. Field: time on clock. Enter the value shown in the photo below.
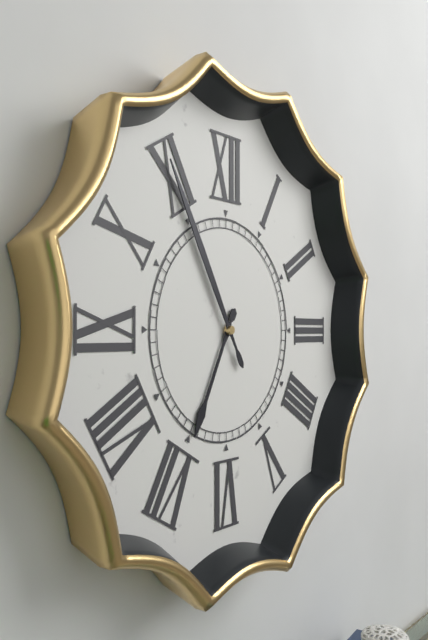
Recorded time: 6:55
